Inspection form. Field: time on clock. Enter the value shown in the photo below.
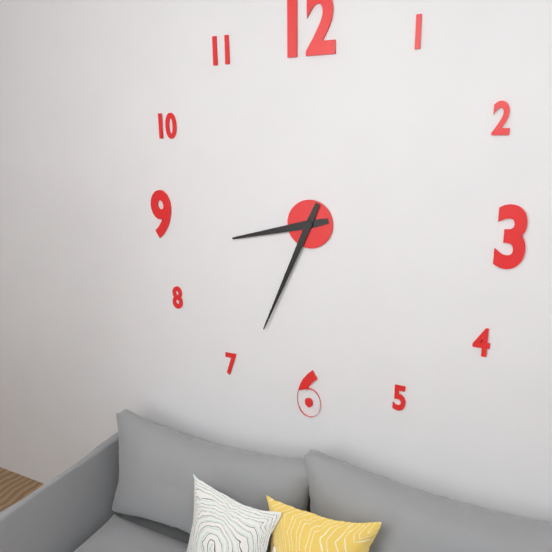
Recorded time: 8:34
